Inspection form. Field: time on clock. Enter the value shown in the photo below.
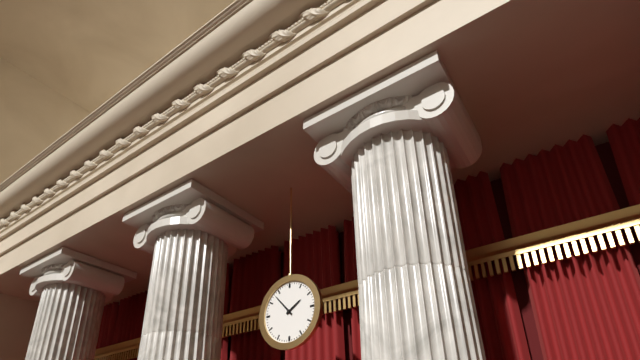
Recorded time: 1:53
